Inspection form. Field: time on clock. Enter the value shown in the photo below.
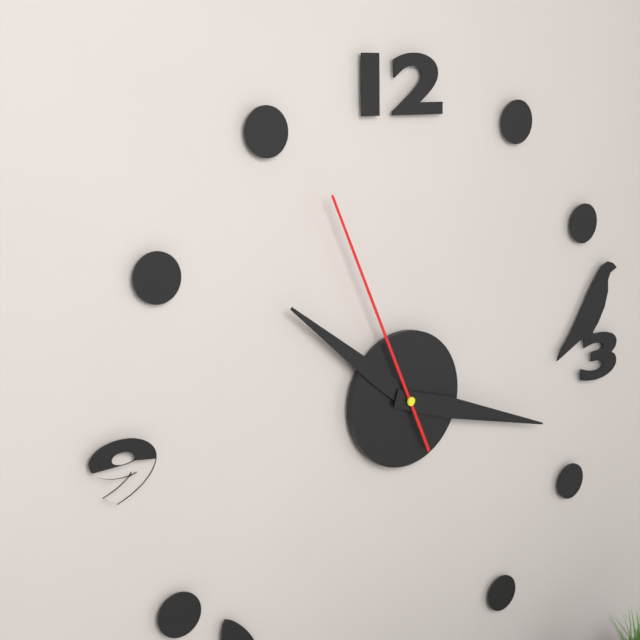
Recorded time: 10:18:56
